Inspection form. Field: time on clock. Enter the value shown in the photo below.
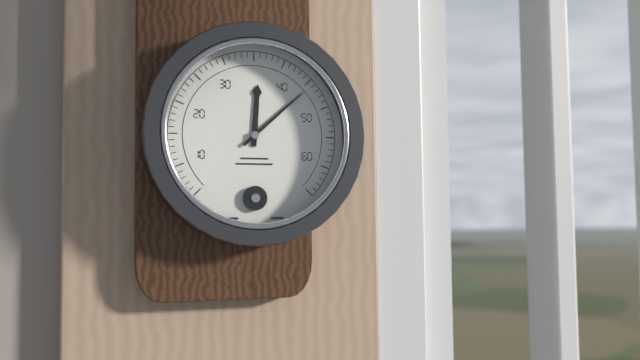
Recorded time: 12:08
